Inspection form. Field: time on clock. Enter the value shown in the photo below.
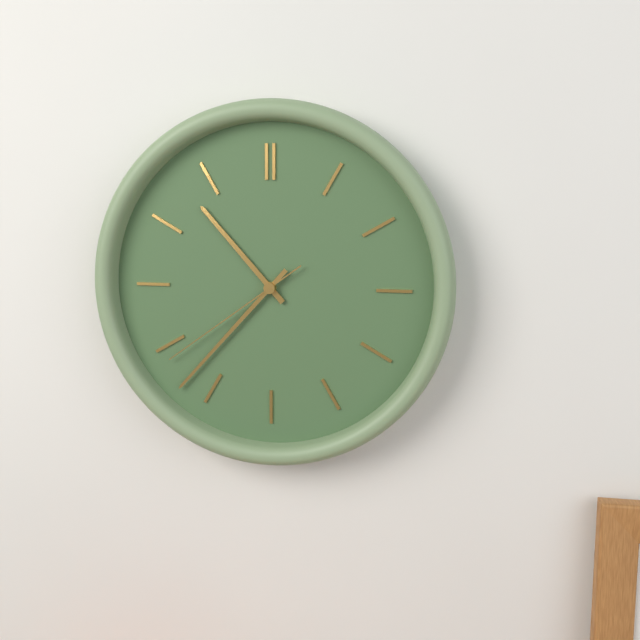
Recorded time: 10:37:39
